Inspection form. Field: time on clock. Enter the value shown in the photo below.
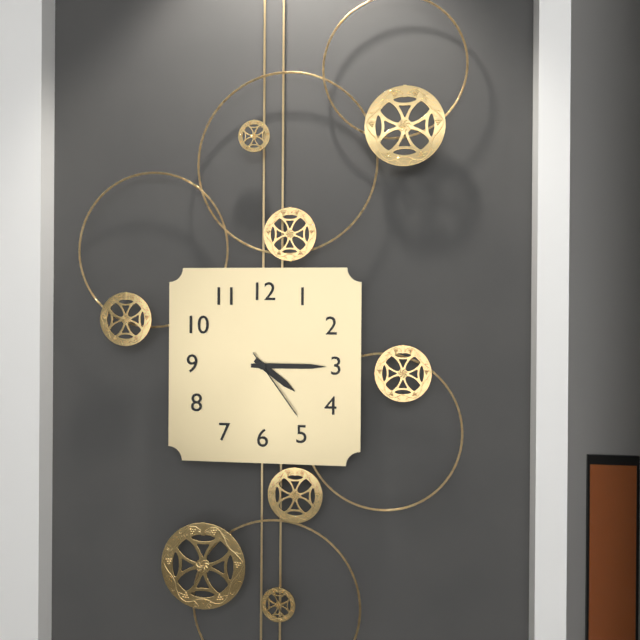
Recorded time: 4:15:24
